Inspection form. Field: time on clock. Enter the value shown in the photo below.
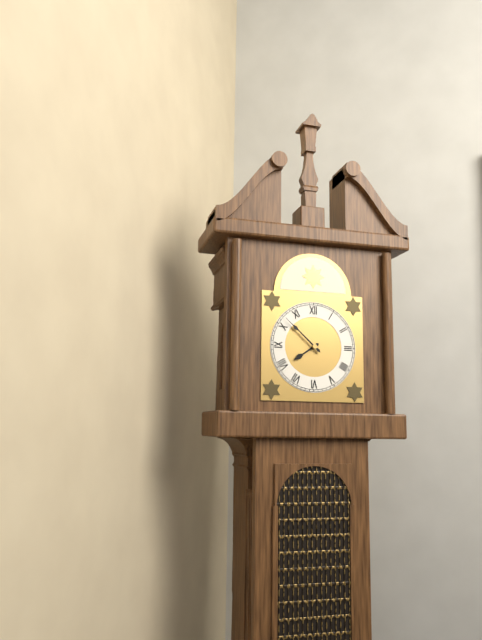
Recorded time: 7:52
